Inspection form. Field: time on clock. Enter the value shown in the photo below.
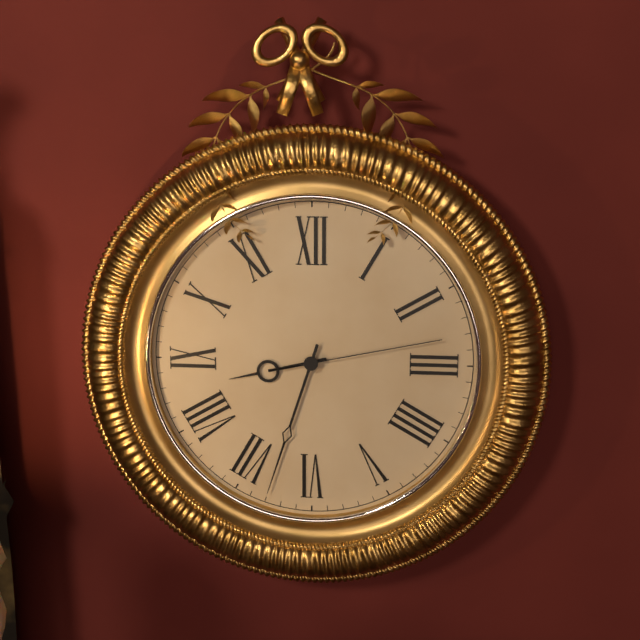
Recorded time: 8:33:13
